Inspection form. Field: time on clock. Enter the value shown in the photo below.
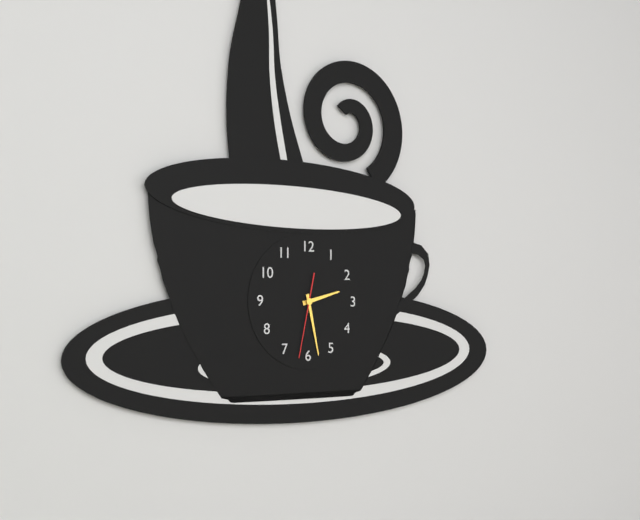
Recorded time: 2:28:32
